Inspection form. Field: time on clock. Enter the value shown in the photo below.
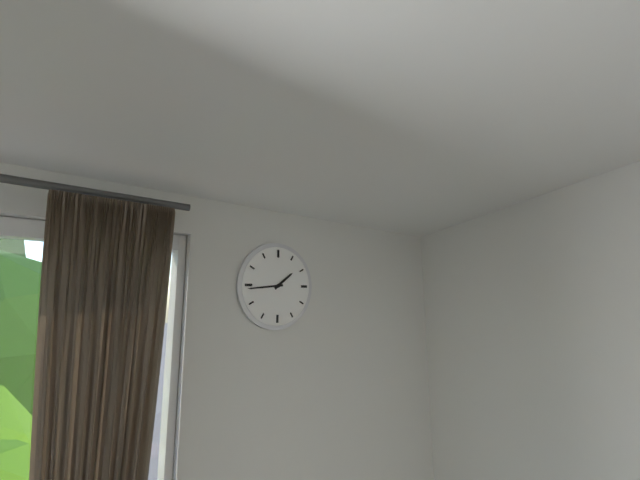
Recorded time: 1:44
